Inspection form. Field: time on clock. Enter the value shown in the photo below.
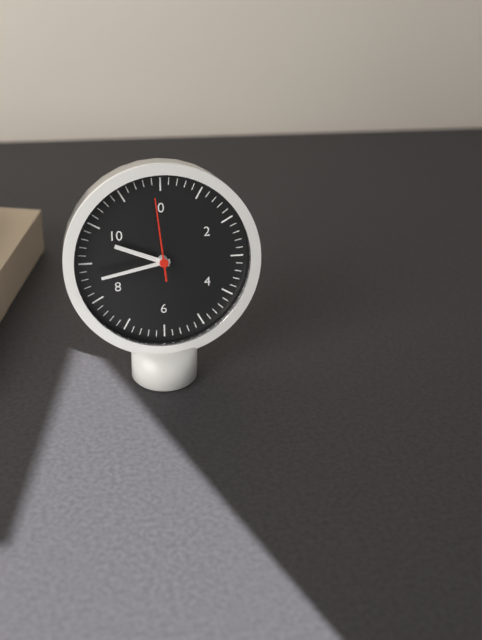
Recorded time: 9:43:59
